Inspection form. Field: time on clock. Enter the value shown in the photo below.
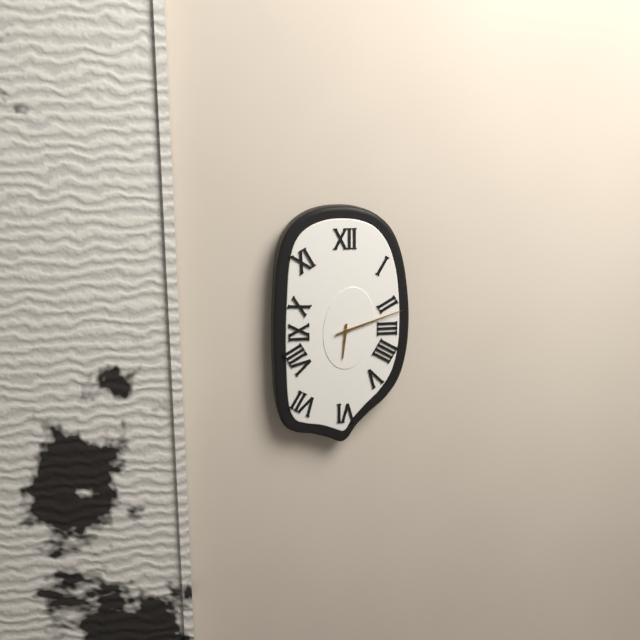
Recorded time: 6:12
